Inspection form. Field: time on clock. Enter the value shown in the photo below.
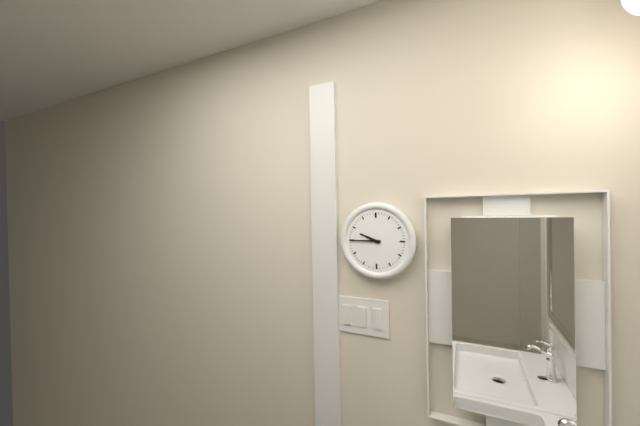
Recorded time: 9:45
